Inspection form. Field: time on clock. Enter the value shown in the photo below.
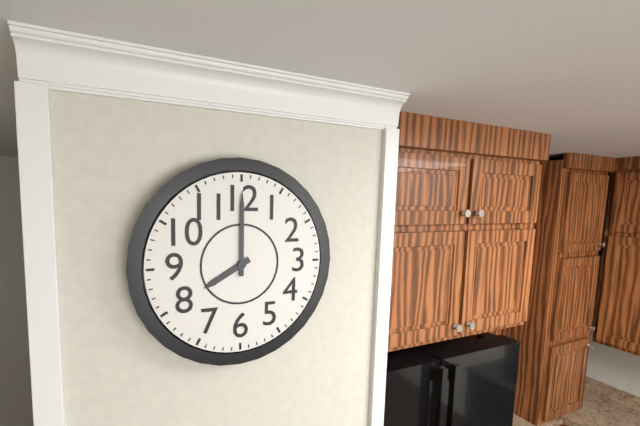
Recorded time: 8:00
